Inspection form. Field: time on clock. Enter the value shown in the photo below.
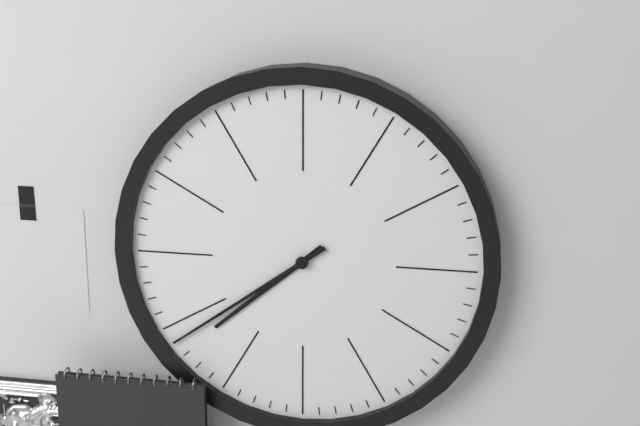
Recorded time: 7:39
